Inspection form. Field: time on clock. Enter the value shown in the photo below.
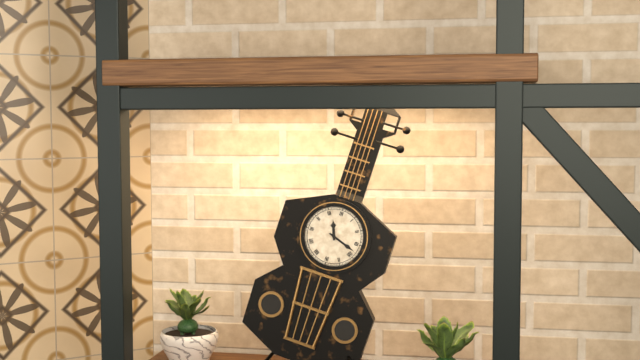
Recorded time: 11:18
